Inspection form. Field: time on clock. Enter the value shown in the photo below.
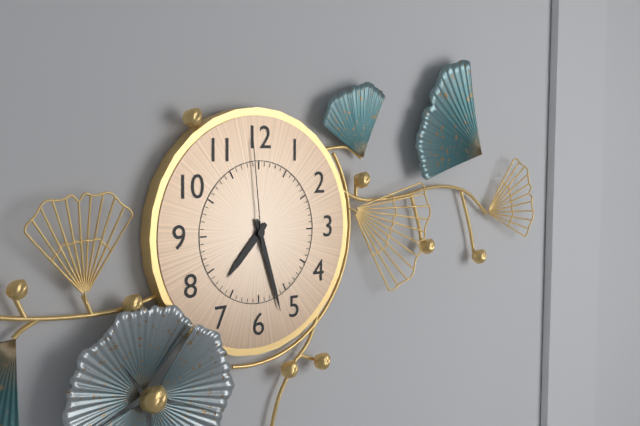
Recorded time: 7:27:59
